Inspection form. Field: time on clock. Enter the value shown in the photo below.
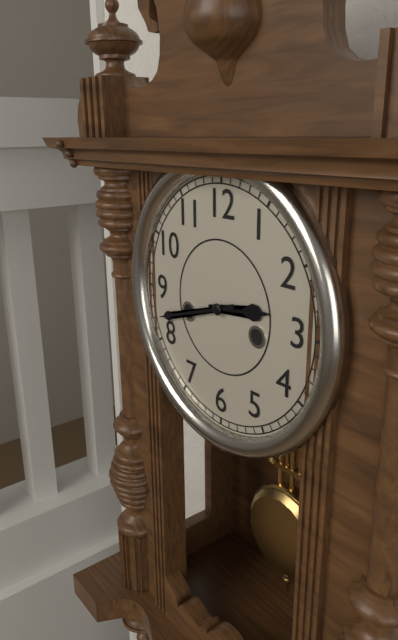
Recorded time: 2:42
